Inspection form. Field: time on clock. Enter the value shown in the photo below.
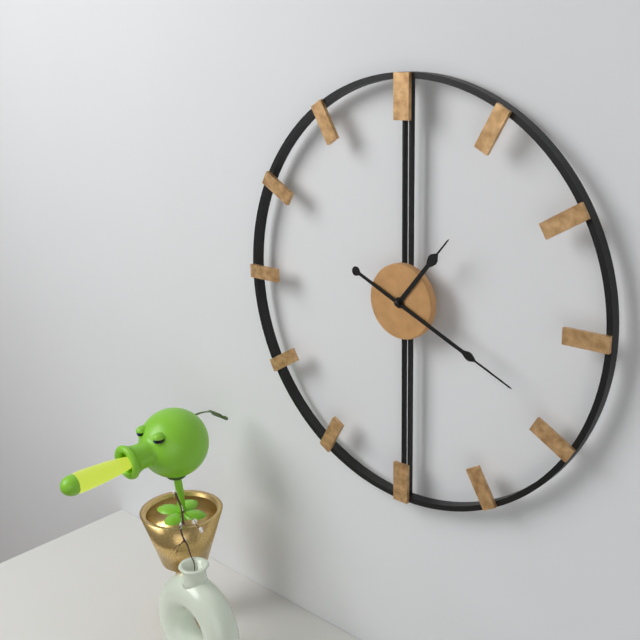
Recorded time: 1:19
